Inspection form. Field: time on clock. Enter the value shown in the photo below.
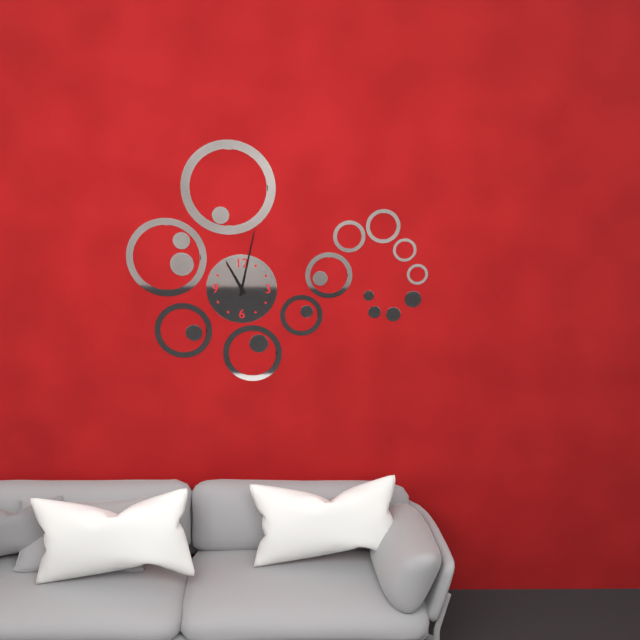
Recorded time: 11:02
